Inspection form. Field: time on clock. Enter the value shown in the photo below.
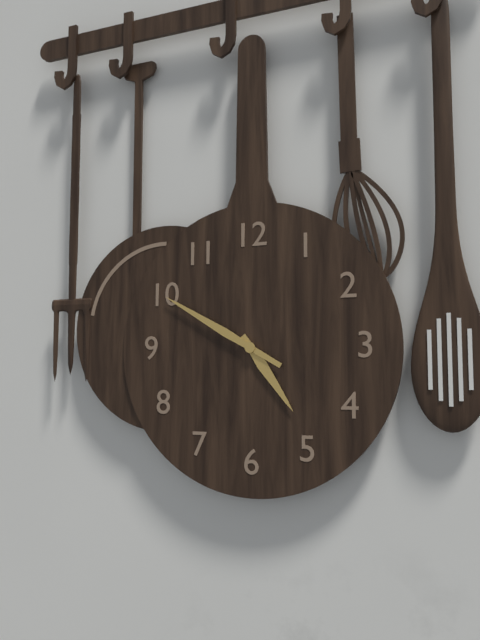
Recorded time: 4:50
